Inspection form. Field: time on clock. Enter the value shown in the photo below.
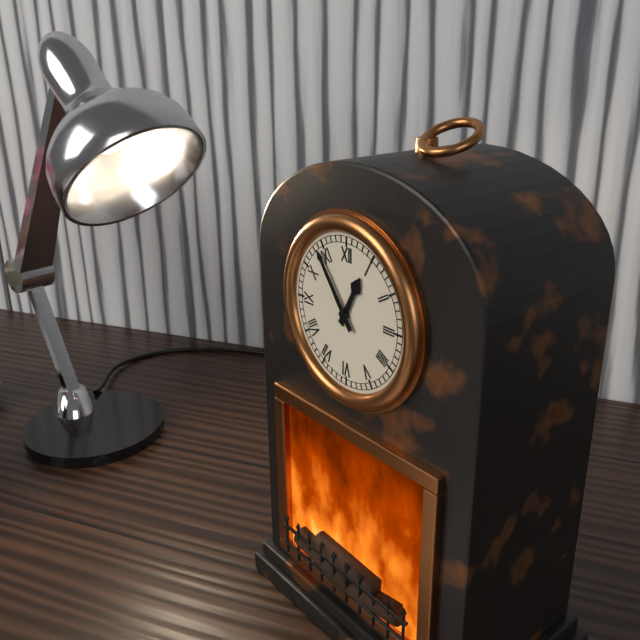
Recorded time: 12:54
